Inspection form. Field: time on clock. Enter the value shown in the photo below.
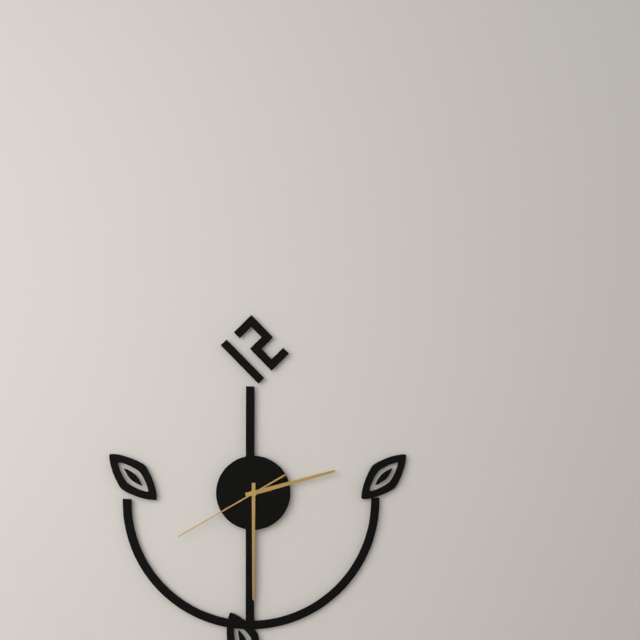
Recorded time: 2:30:40
